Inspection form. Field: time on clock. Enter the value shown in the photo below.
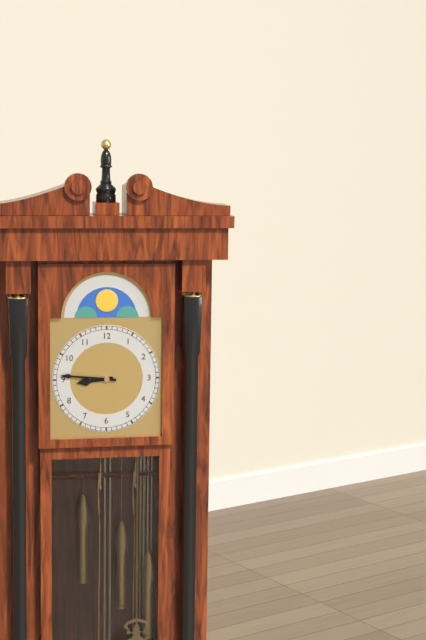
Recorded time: 8:46
